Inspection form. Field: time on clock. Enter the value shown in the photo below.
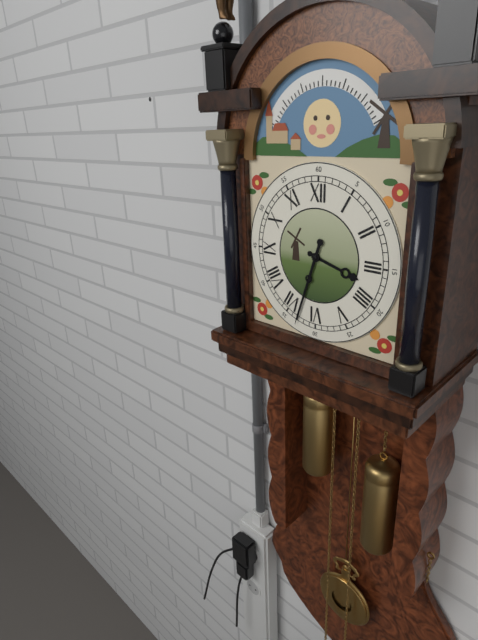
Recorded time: 3:33
